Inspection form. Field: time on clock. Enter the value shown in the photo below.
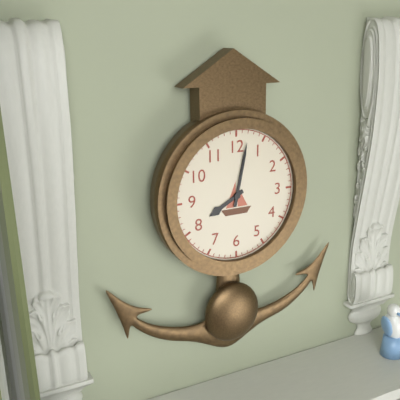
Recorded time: 8:02
